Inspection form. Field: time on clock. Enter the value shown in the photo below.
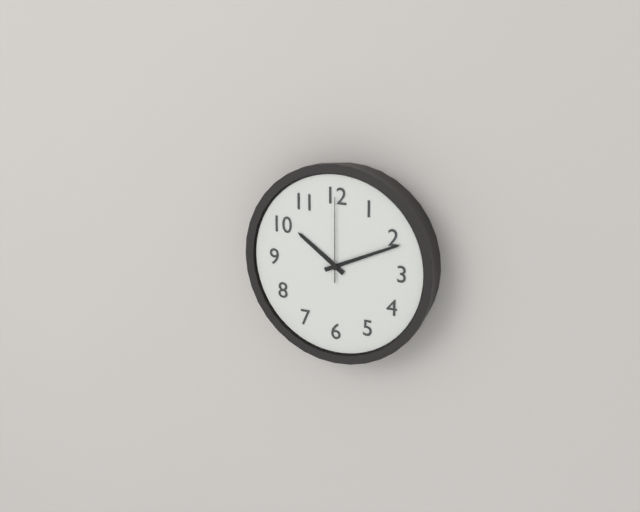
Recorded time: 10:11:00
